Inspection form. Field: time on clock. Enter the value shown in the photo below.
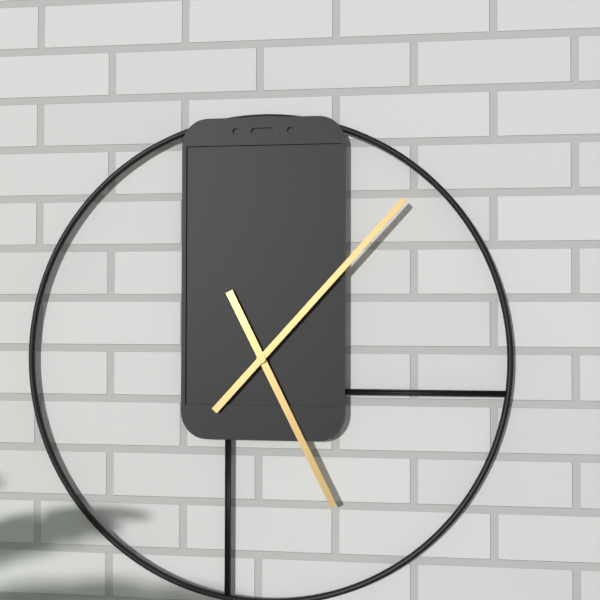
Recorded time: 5:07
